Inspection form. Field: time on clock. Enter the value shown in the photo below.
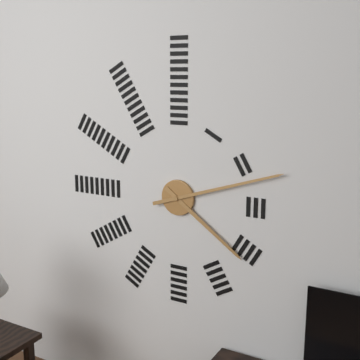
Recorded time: 4:12
